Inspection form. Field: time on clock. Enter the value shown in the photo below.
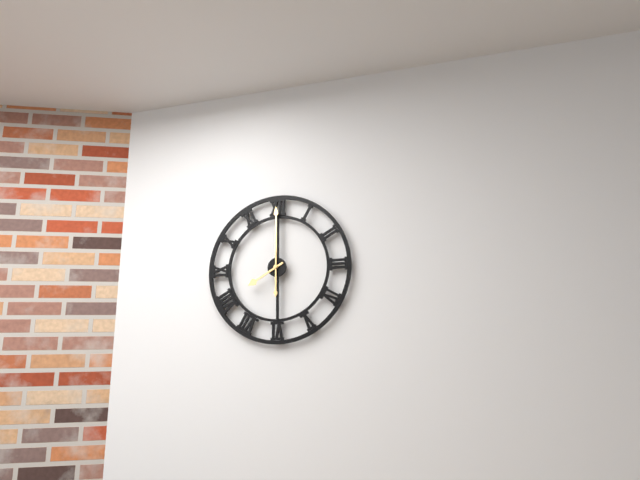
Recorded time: 8:00
